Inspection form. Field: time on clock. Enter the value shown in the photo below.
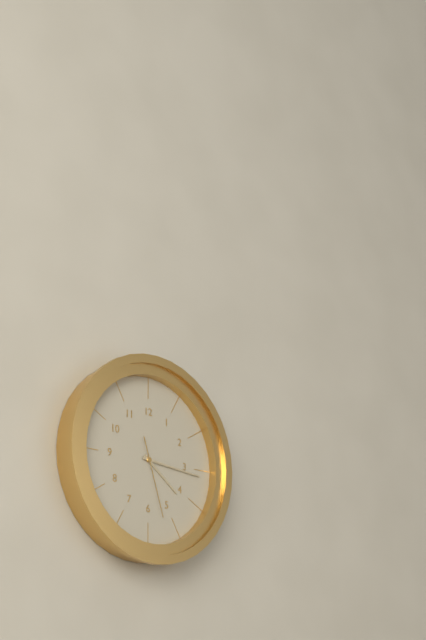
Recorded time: 4:16:27
